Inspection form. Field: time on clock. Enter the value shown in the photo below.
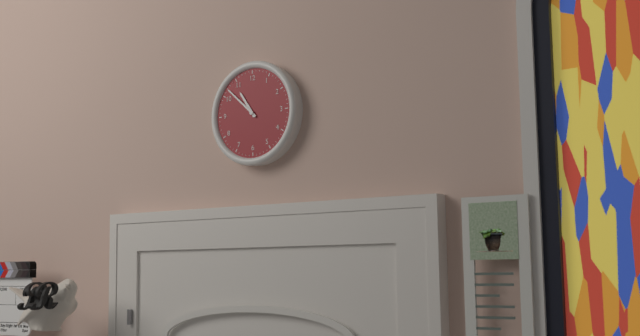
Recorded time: 10:52
